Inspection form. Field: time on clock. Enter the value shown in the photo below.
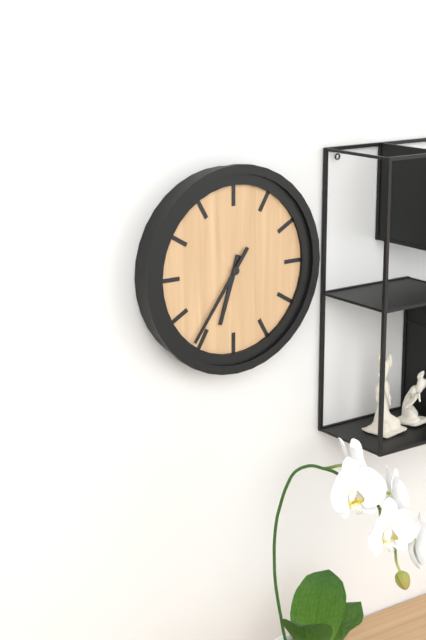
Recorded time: 6:36
